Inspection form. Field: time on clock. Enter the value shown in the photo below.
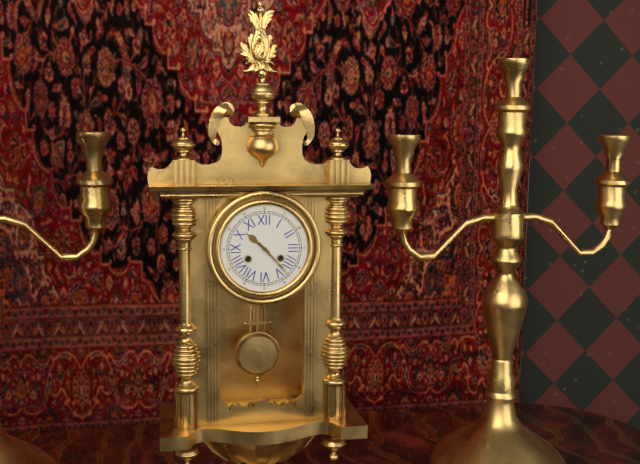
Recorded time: 10:23
